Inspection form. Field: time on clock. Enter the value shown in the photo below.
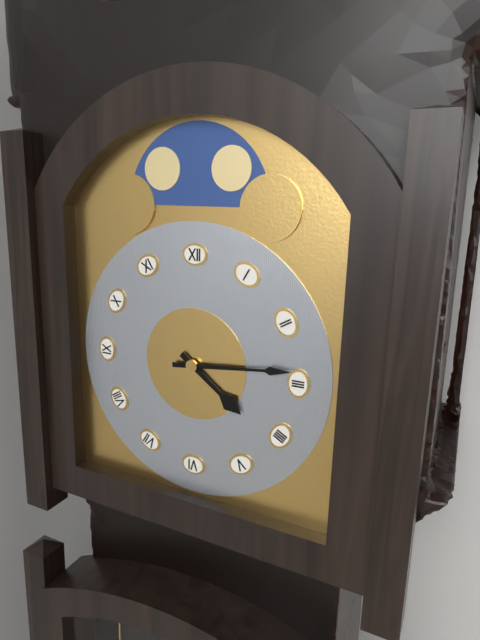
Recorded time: 4:14
